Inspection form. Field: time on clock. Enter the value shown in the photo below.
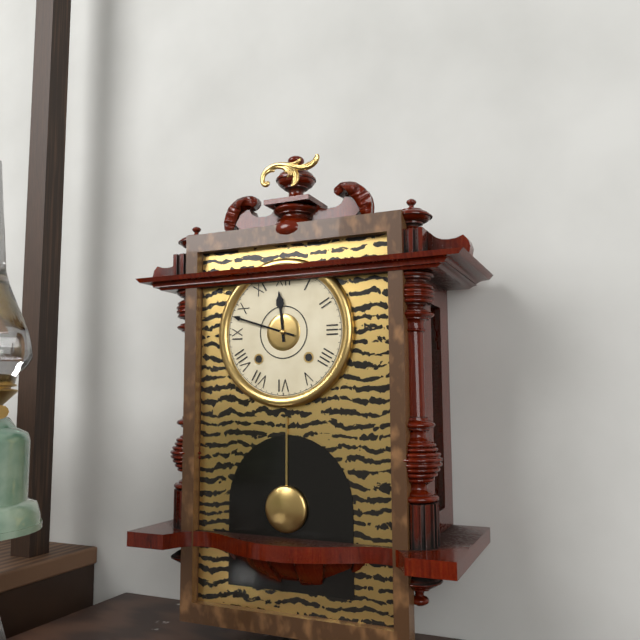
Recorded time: 11:48
